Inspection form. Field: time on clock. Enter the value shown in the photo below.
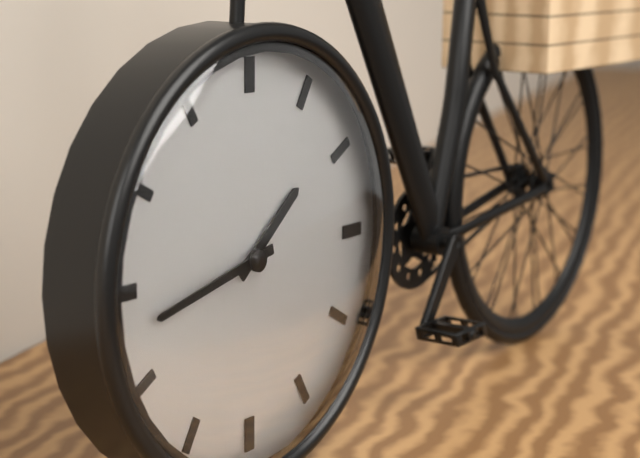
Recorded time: 1:43
